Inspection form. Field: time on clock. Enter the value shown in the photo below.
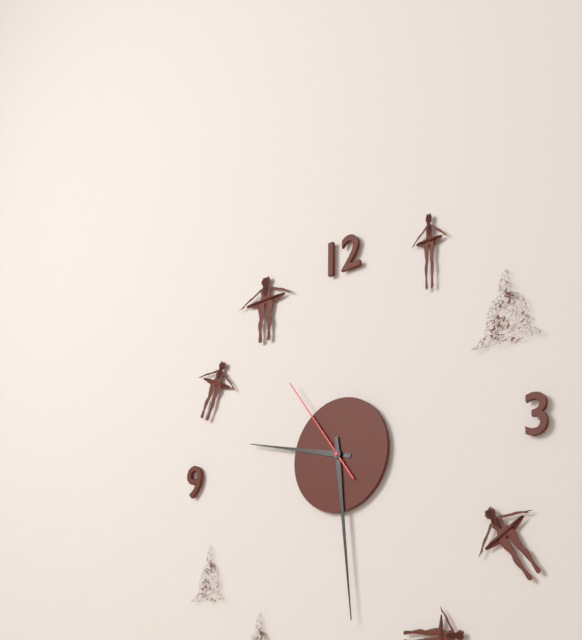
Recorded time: 9:29:54
